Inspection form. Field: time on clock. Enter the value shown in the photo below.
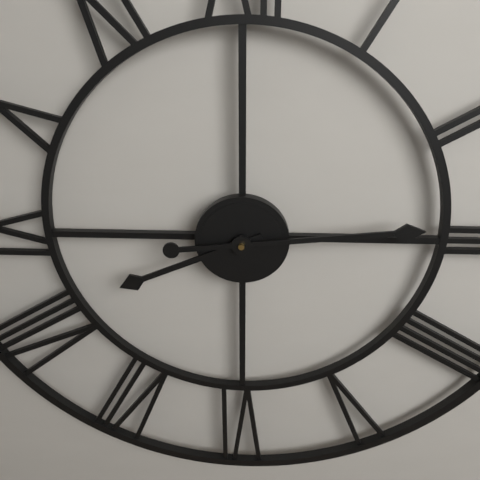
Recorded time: 8:14
